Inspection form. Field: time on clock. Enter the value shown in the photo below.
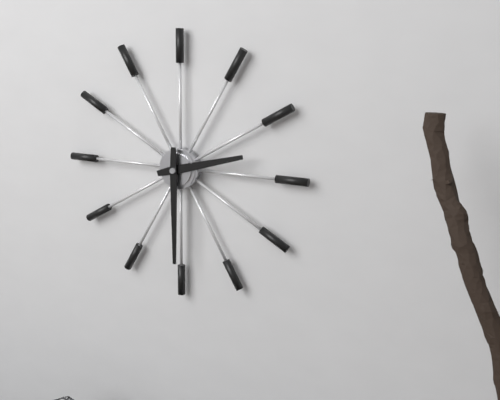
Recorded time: 2:30
